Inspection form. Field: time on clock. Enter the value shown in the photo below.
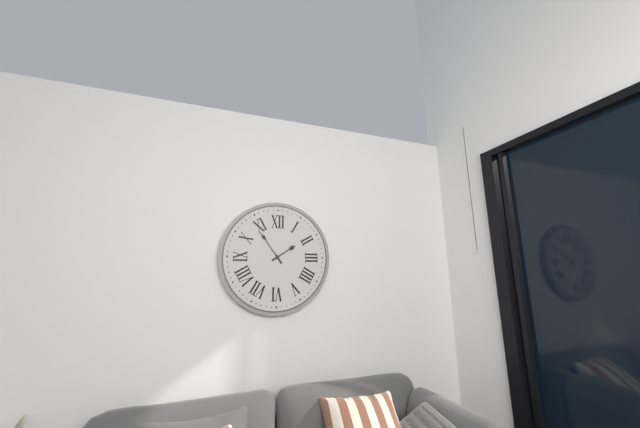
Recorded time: 1:54
